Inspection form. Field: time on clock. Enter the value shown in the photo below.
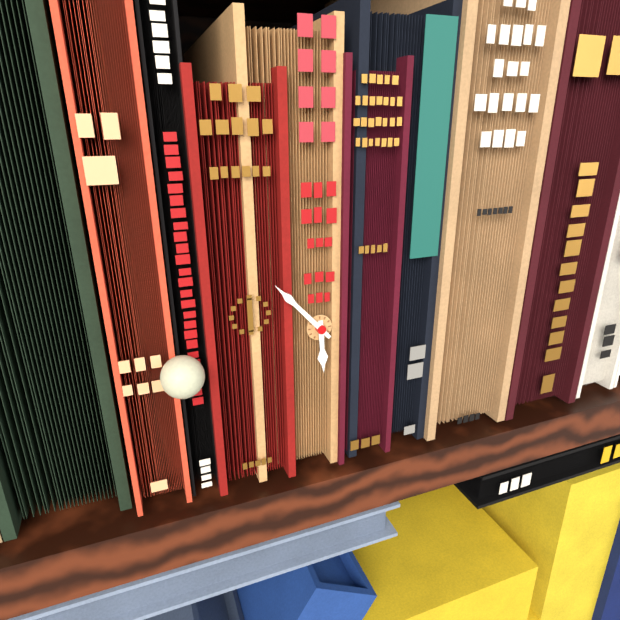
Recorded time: 5:53
